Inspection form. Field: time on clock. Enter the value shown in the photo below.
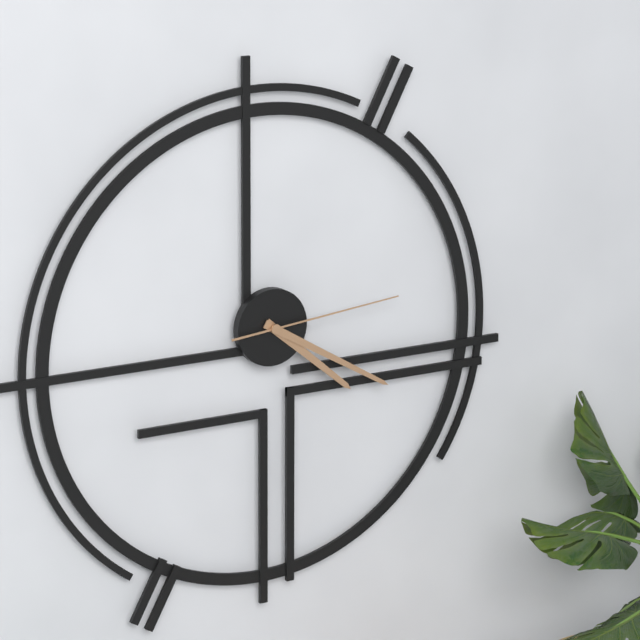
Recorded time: 4:20:14
